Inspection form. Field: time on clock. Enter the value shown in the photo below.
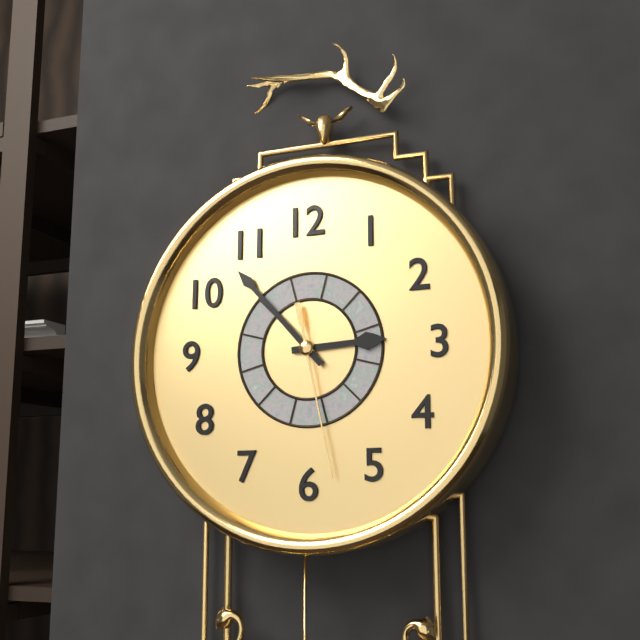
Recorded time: 2:53:28
